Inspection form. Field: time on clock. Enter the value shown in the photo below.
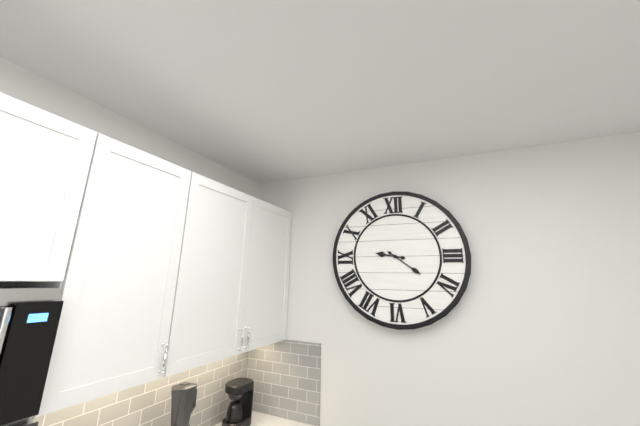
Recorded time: 9:21
